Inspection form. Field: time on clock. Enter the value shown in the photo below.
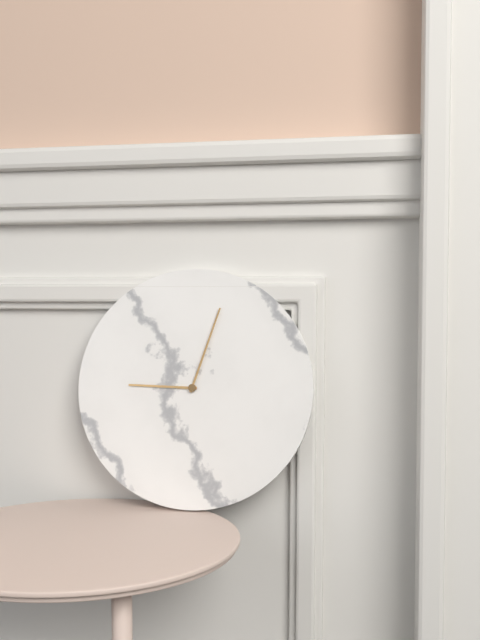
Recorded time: 9:03
